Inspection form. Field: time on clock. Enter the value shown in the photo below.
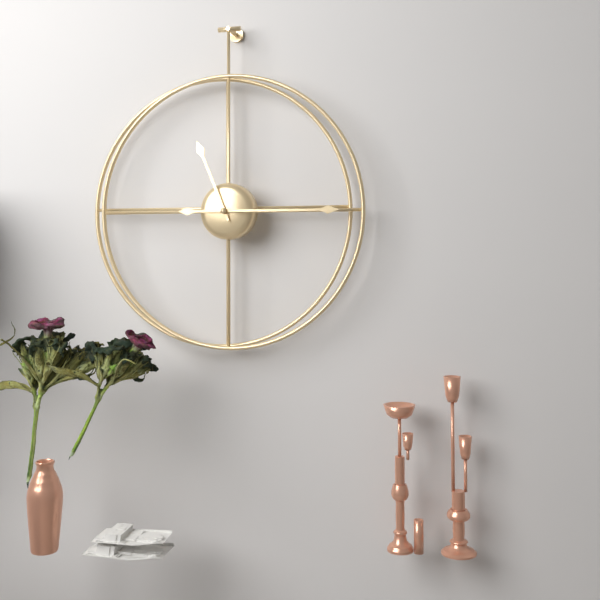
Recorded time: 11:15
